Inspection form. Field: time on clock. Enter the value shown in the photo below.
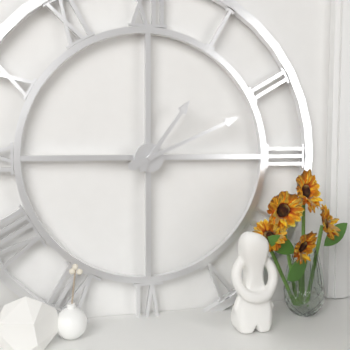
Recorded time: 1:11
